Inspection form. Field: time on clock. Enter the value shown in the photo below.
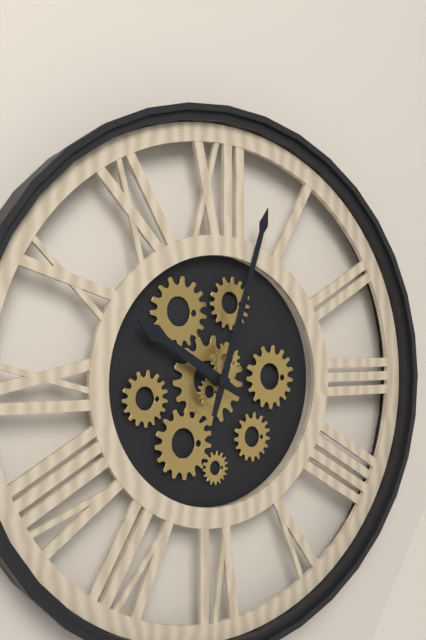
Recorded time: 10:03
